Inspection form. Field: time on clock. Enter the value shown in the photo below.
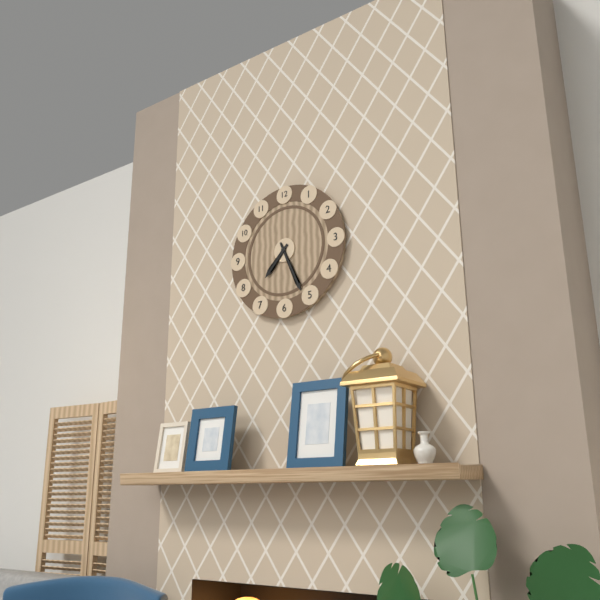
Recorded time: 7:26
